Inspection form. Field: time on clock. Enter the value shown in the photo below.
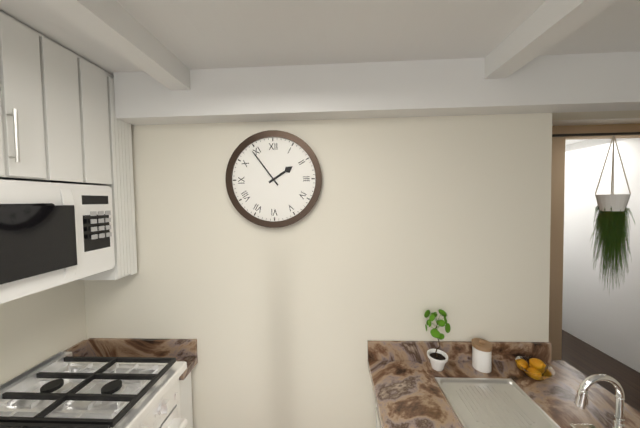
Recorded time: 1:54
